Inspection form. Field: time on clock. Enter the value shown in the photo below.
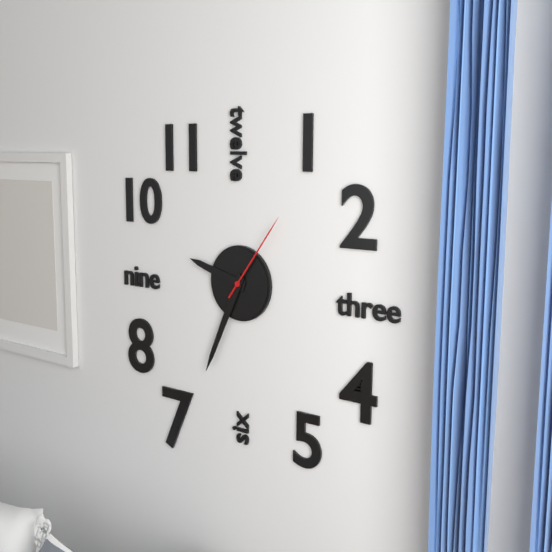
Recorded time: 9:34:06
